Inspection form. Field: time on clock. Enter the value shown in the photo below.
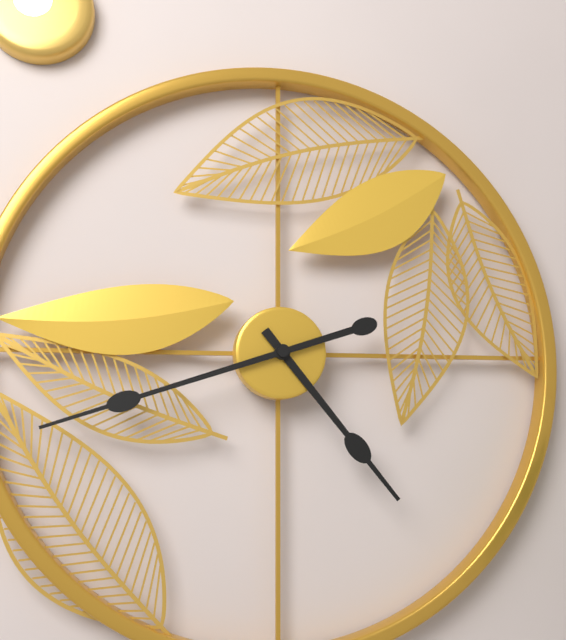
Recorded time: 4:42
